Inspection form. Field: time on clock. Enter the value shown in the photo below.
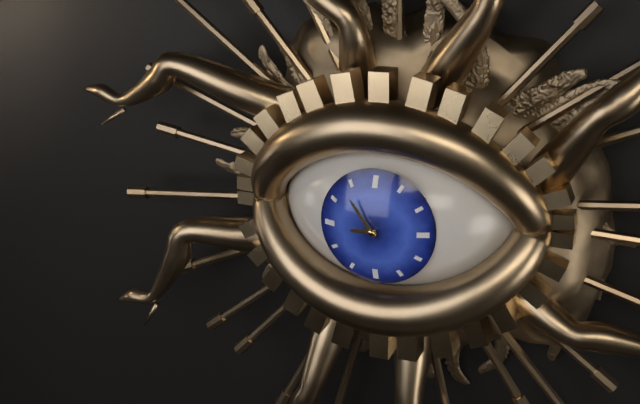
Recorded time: 8:54
